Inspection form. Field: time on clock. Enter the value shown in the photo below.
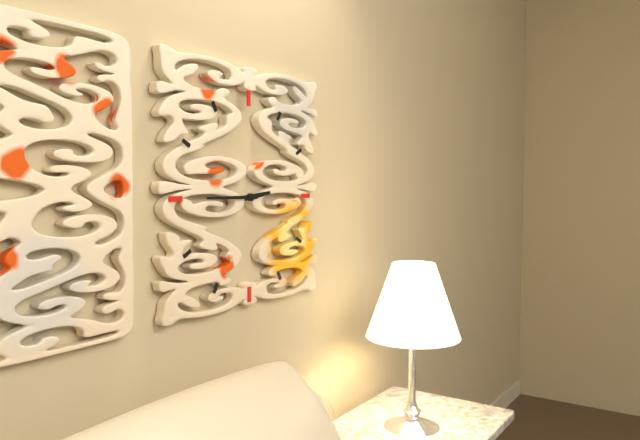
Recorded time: 2:45
